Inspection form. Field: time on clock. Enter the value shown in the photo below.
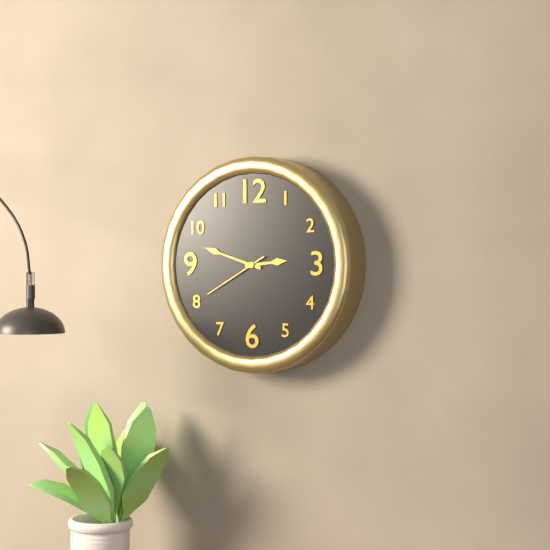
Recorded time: 2:48:40
